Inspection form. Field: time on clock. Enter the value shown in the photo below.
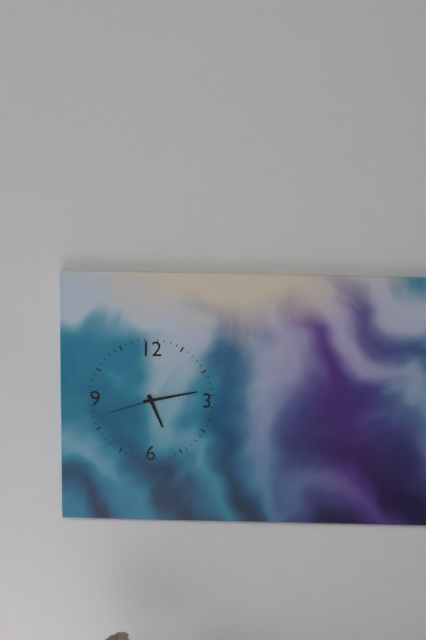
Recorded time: 5:13:42
